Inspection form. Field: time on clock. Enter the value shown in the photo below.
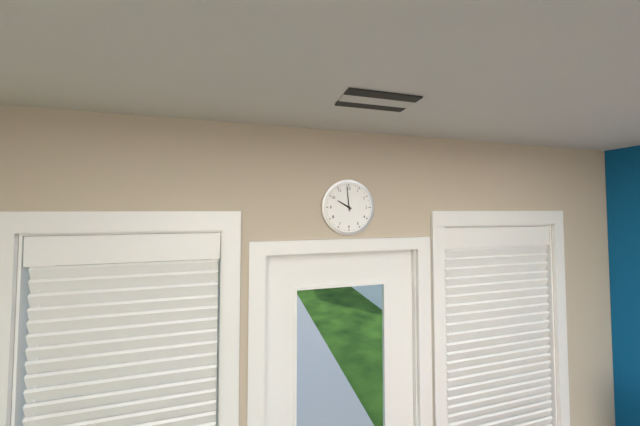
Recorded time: 9:59
